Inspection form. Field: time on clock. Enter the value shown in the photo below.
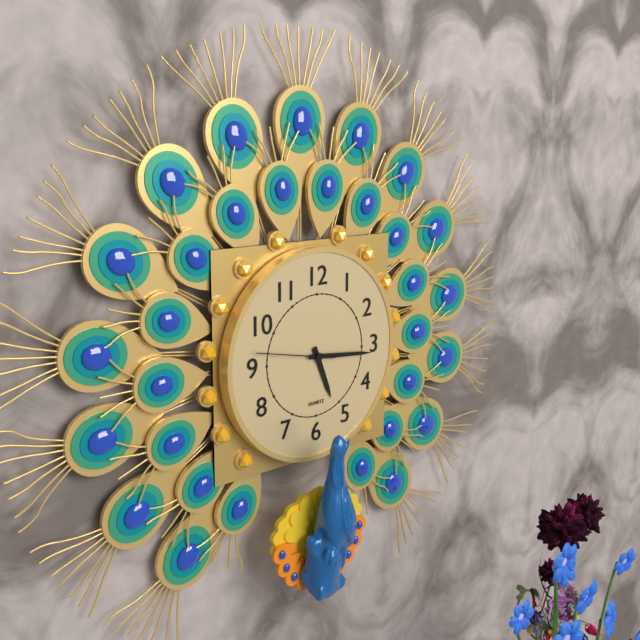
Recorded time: 5:16
